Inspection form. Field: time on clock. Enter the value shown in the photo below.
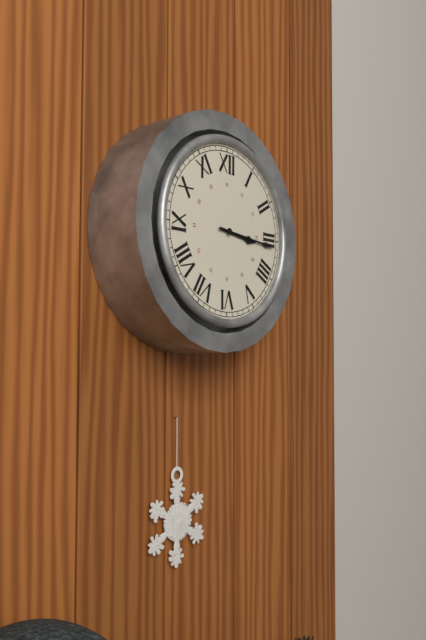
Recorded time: 3:16
